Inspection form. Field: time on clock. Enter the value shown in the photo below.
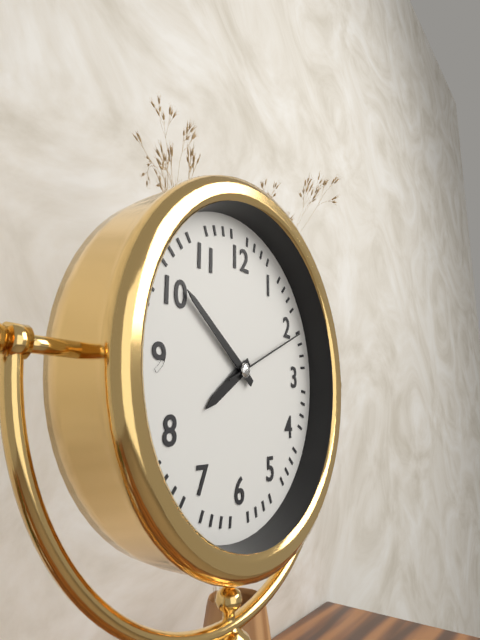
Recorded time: 7:51:11
